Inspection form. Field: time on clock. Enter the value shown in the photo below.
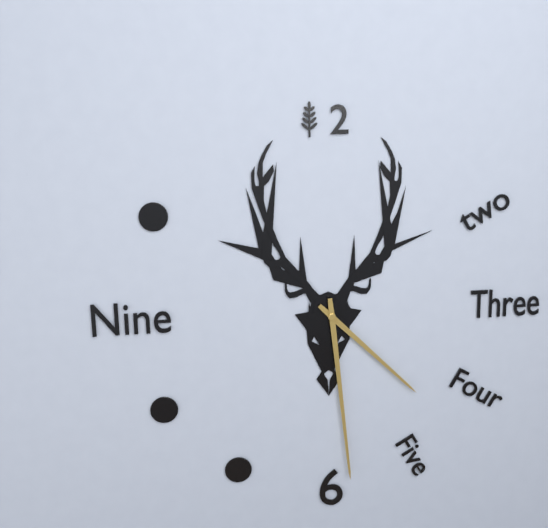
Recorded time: 4:29
